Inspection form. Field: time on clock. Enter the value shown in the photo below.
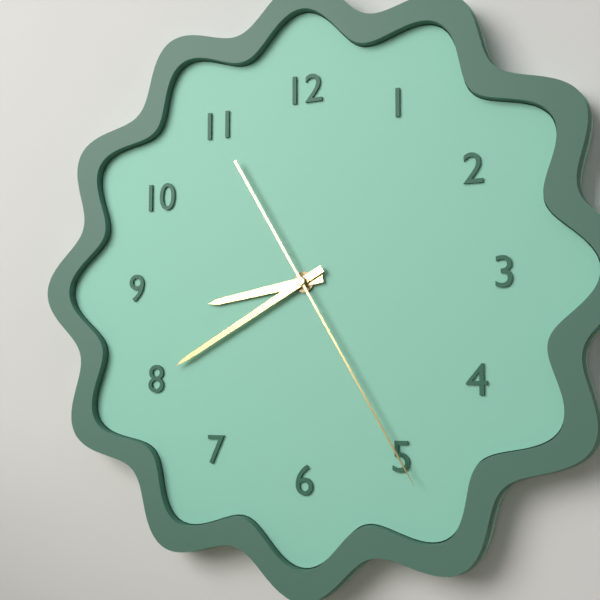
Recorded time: 8:40:25
